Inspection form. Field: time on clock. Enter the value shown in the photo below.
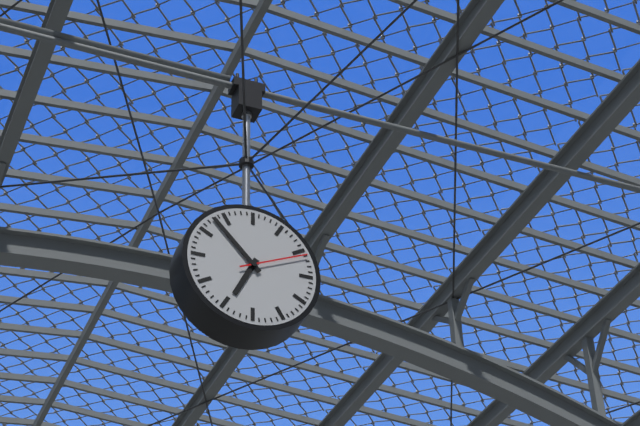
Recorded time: 6:53:11
